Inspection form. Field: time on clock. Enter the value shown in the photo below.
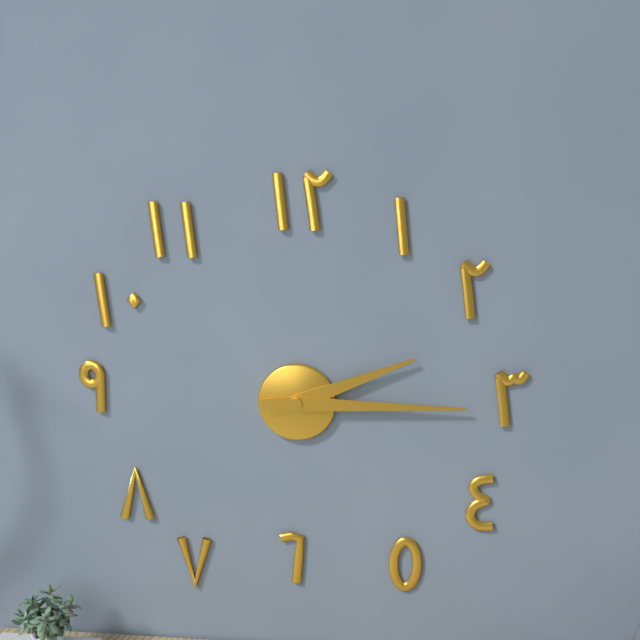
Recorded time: 2:15
